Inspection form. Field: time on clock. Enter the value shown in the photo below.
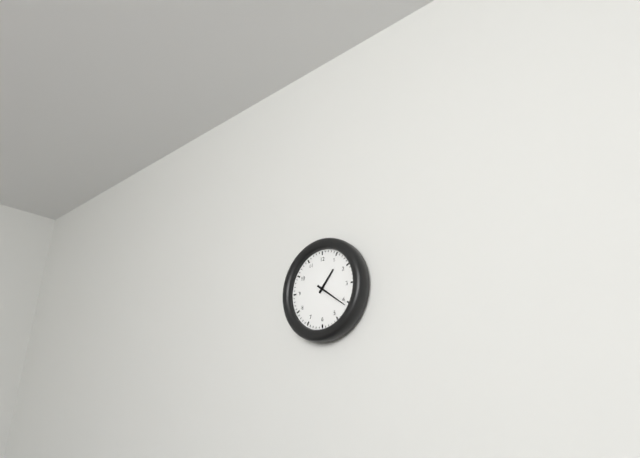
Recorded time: 1:21
